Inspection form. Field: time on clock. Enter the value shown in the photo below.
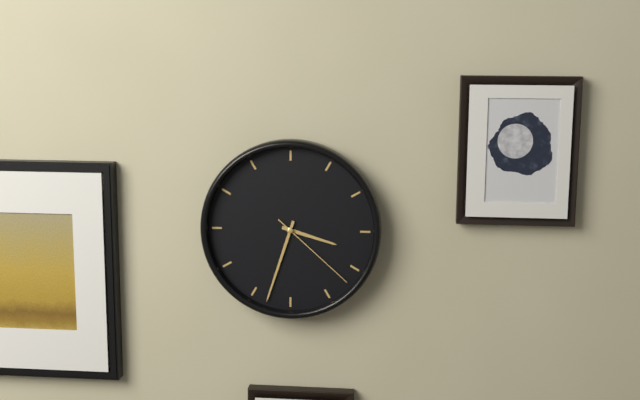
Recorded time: 3:33:22
